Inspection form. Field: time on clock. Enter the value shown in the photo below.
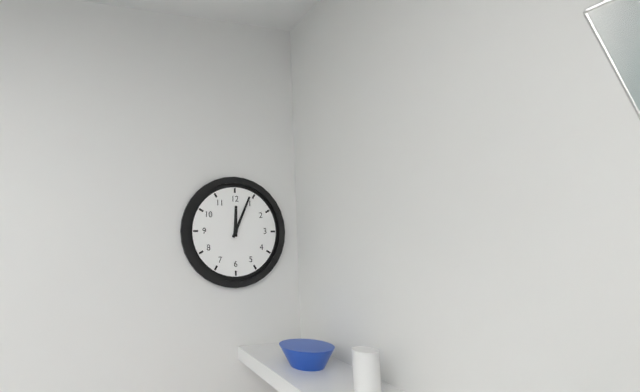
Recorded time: 12:04
